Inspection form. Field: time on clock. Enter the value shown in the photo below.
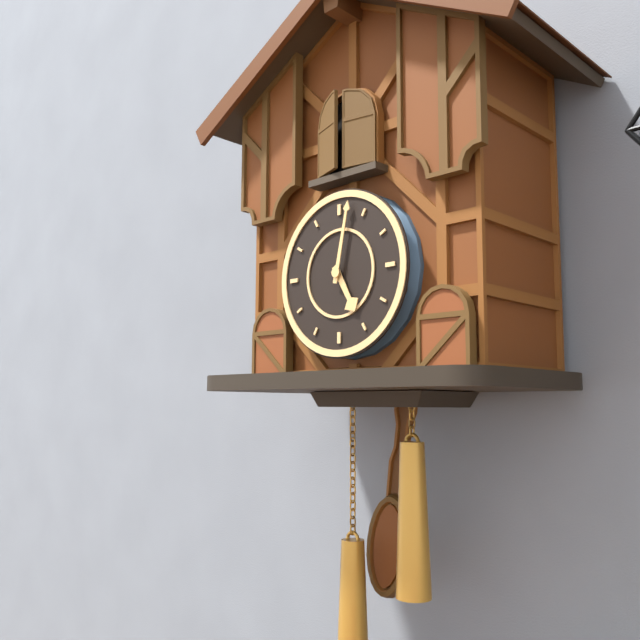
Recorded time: 5:02
